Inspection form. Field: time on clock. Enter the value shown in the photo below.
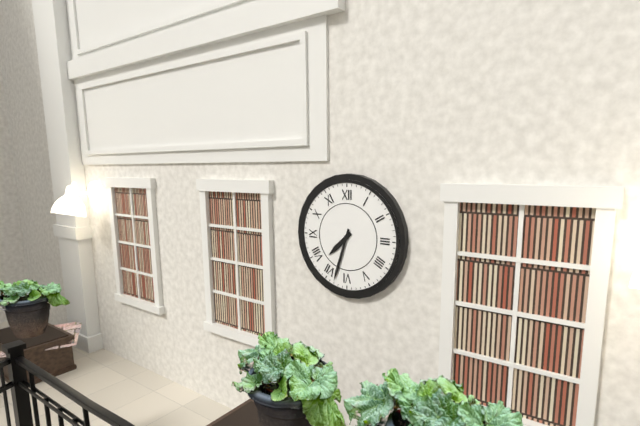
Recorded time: 7:33
